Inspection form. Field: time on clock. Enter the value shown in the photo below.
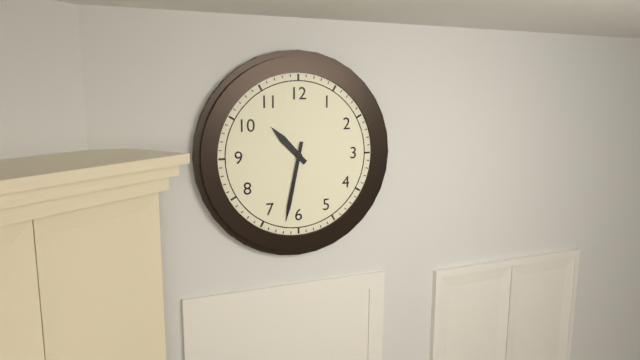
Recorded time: 10:32
